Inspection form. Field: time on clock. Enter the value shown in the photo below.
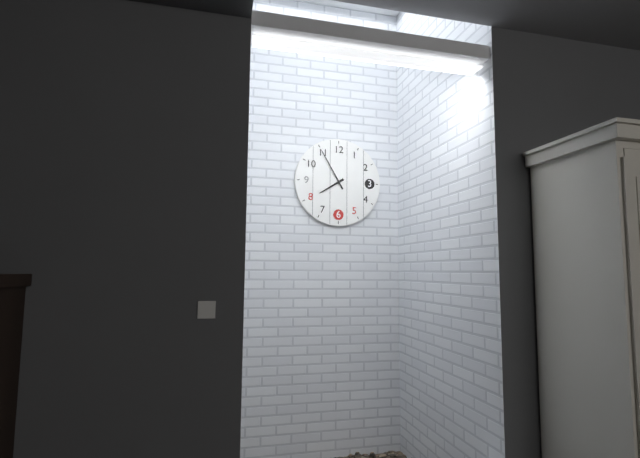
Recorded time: 7:55
